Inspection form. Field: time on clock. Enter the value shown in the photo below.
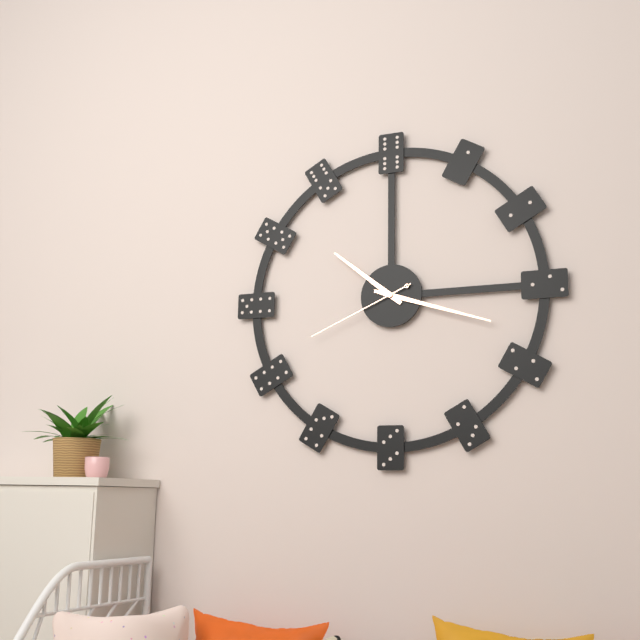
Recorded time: 10:18:41
